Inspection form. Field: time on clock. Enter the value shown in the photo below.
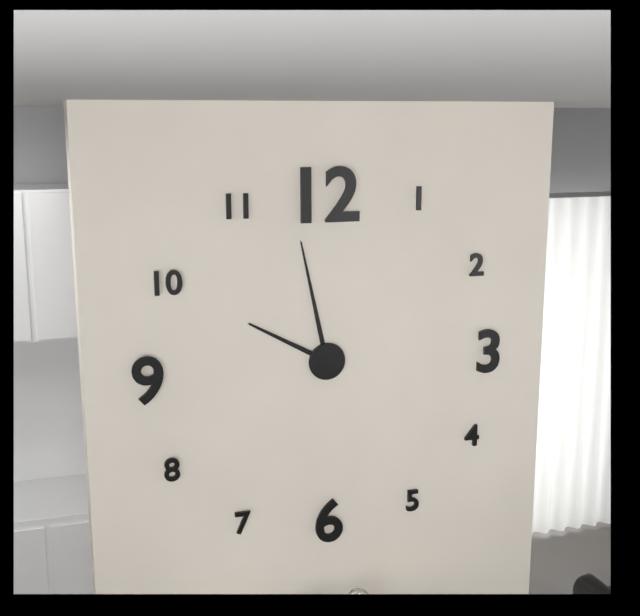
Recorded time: 9:58
